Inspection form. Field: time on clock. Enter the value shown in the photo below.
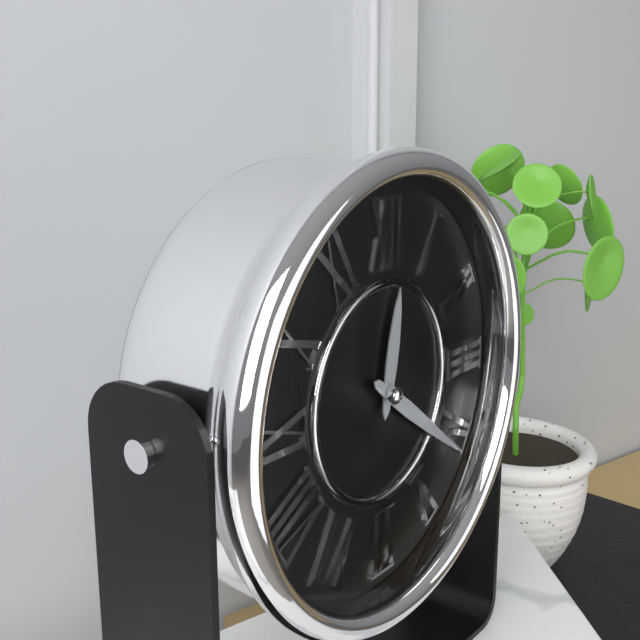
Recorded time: 12:21
